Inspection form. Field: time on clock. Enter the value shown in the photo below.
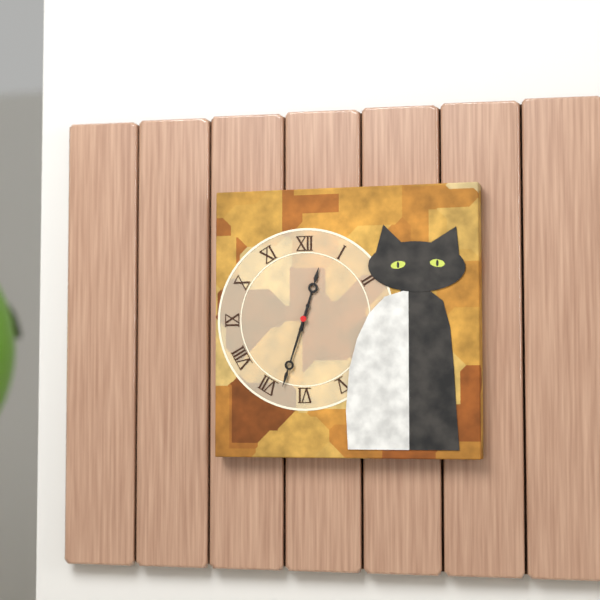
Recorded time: 12:33
